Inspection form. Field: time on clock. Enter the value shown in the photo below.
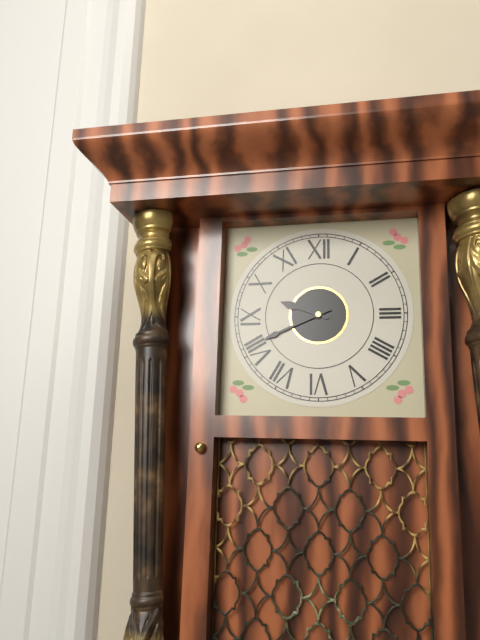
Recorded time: 9:41
